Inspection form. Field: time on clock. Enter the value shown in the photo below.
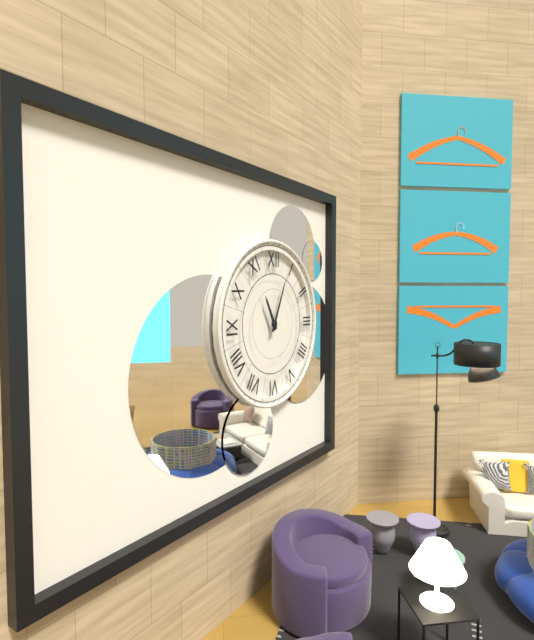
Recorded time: 11:04
